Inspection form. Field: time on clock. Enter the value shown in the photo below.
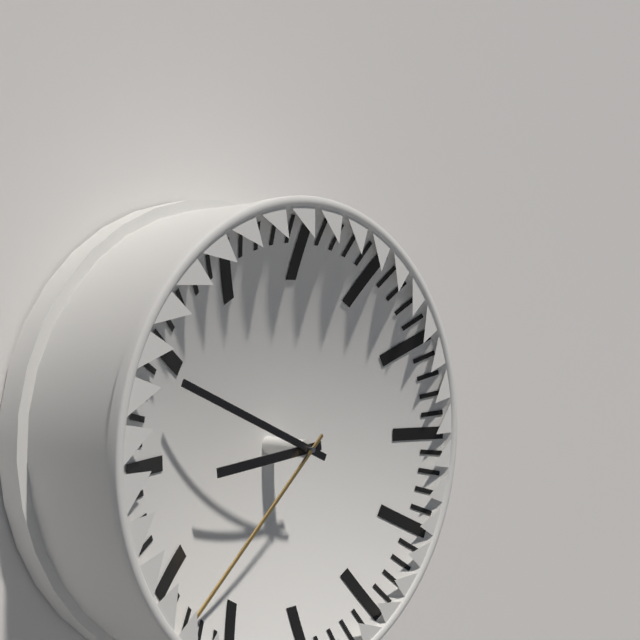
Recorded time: 8:49:38
